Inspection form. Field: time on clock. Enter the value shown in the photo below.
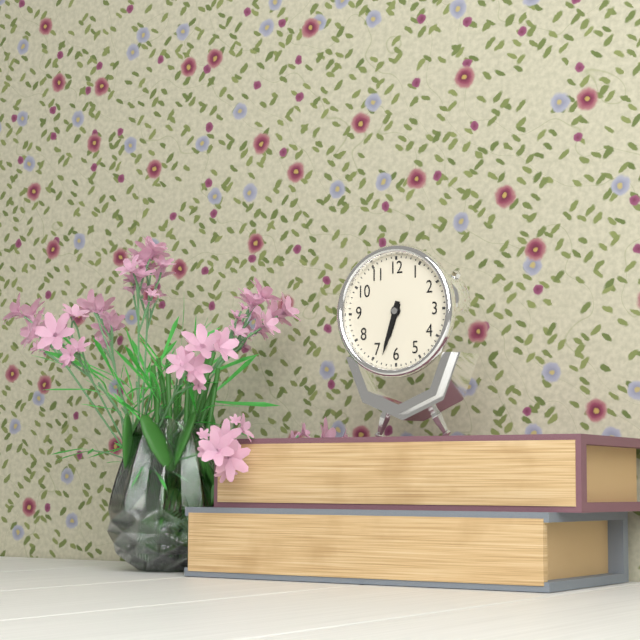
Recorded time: 6:33
